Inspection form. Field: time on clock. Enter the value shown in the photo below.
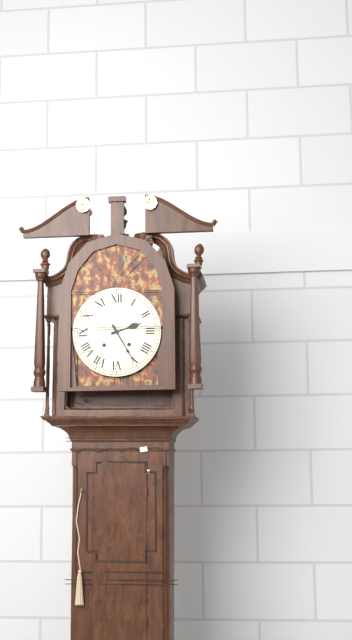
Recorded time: 2:25
